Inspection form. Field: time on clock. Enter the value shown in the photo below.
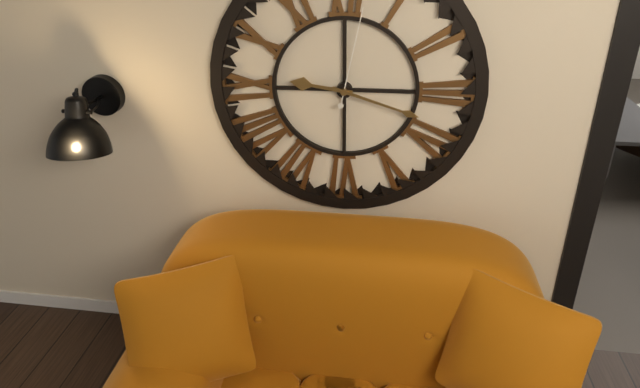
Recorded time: 9:18:02
